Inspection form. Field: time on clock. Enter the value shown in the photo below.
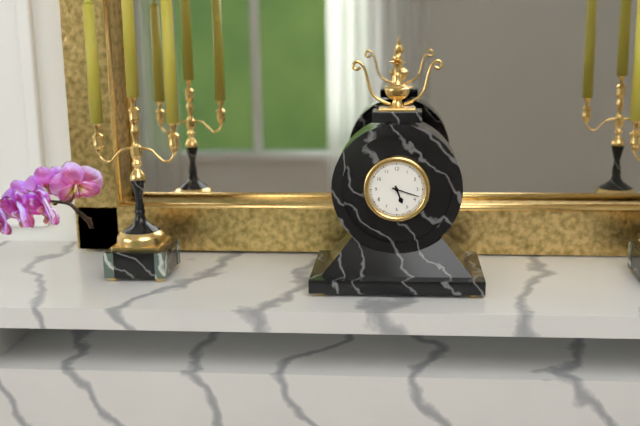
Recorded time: 5:18
